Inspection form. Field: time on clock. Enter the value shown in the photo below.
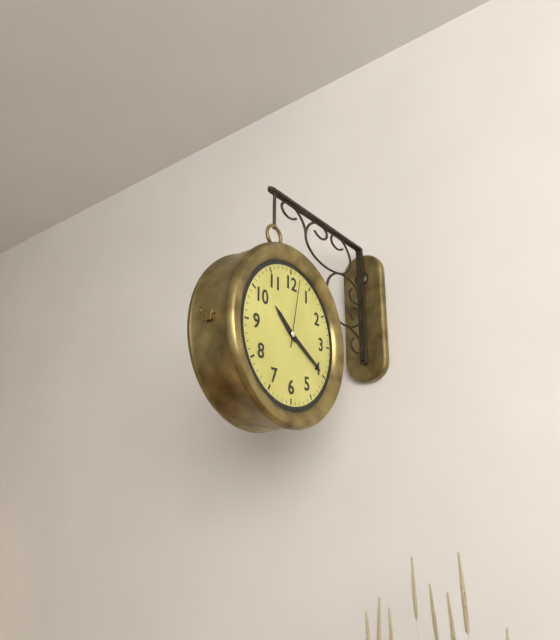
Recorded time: 10:20:02
